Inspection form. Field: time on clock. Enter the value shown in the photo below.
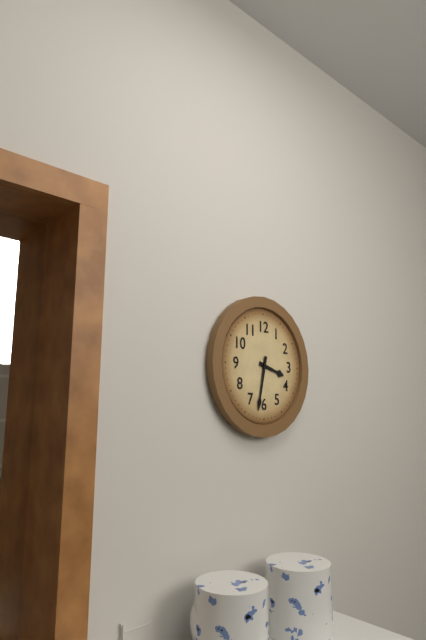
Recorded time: 3:32
